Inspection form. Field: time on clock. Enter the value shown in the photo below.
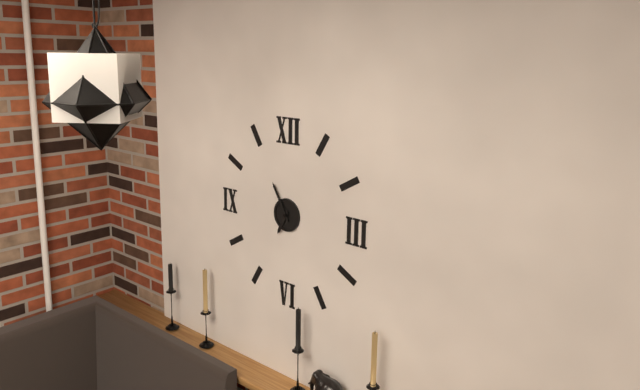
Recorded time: 6:55
